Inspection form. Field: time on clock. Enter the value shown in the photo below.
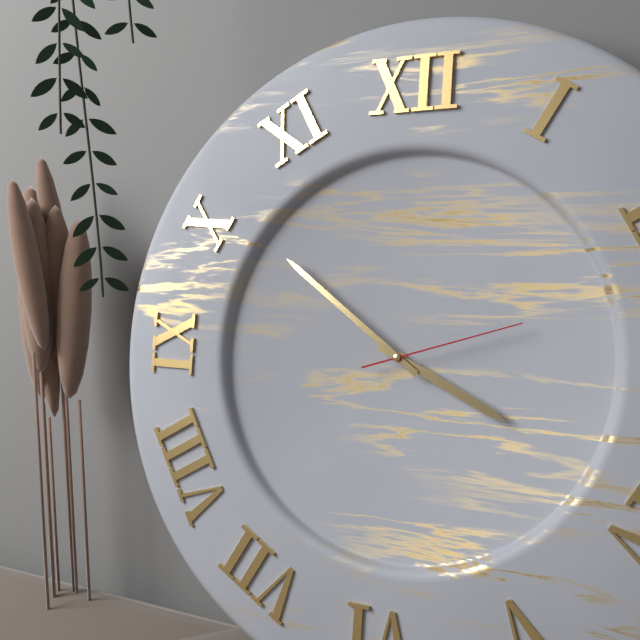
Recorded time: 3:51:12
